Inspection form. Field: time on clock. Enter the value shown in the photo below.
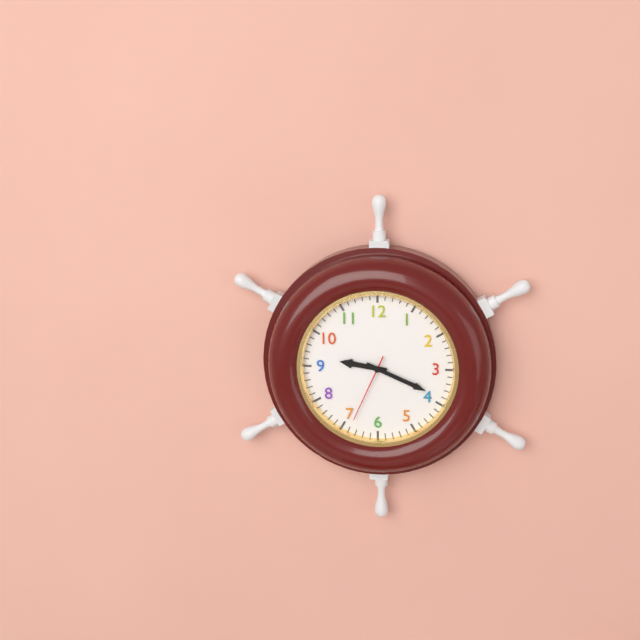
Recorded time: 9:19:34
